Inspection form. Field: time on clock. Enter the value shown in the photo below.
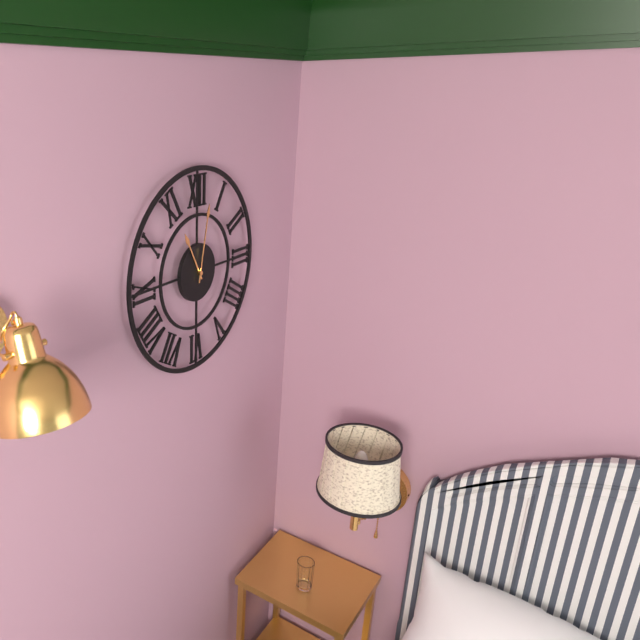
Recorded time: 11:02
